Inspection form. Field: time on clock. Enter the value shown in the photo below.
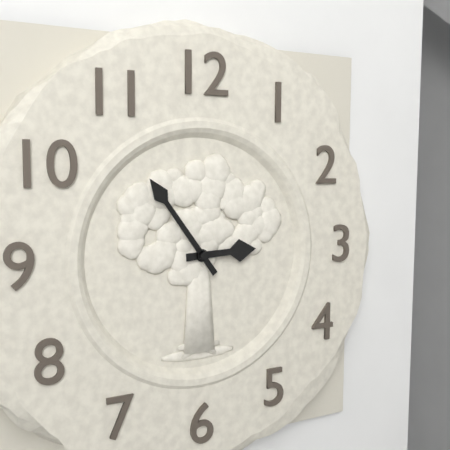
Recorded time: 2:54
